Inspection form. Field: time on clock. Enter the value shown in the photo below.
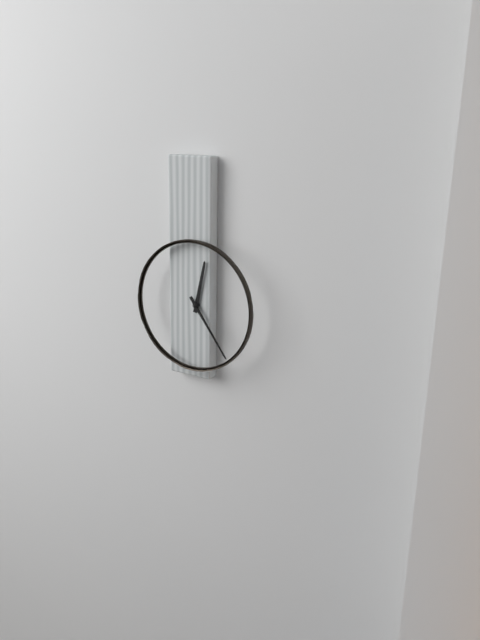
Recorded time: 12:24
